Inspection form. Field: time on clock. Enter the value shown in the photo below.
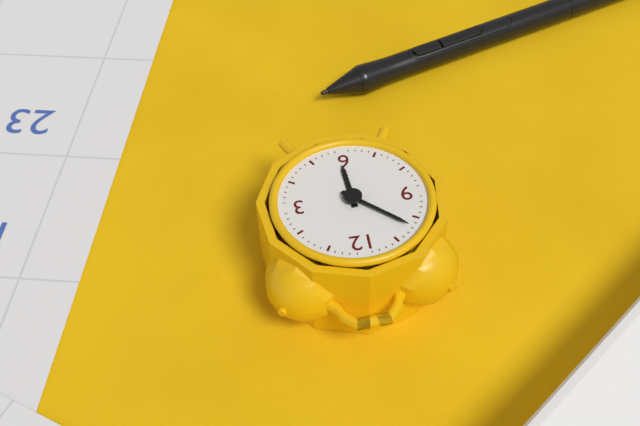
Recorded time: 5:52
